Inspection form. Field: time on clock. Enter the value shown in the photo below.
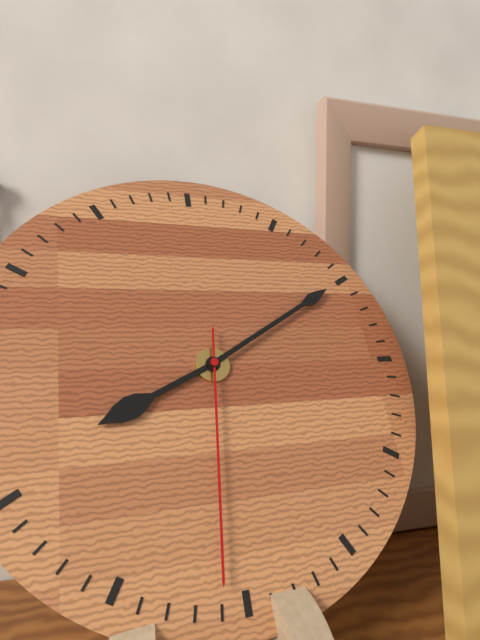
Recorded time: 8:10:31
